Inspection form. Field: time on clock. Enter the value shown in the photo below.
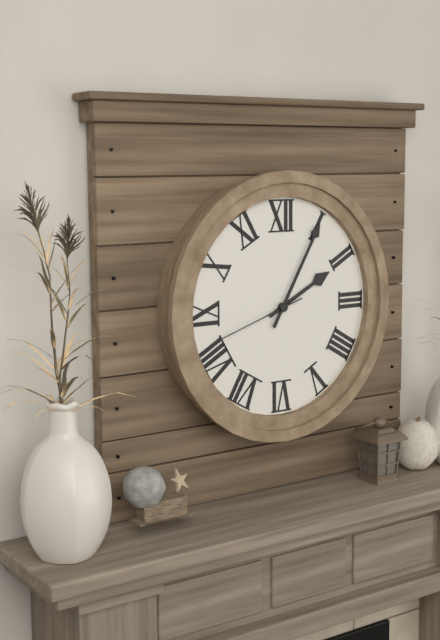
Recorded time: 2:05:42
